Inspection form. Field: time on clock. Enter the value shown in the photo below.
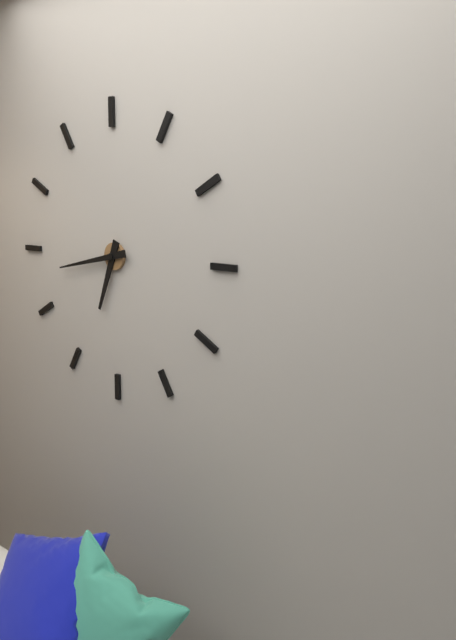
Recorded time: 6:43
